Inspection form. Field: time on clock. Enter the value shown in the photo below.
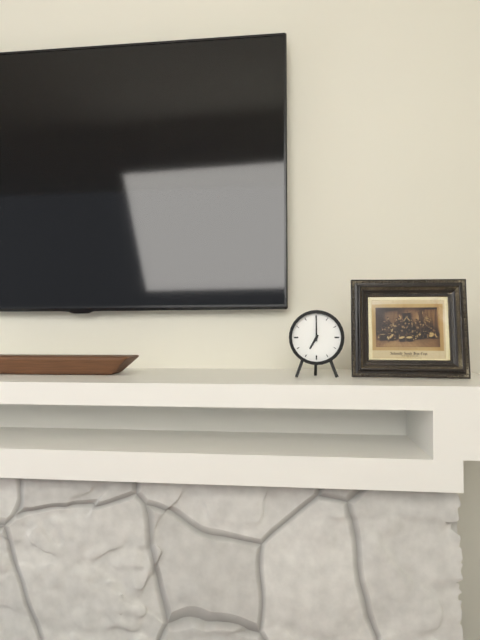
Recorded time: 7:00
